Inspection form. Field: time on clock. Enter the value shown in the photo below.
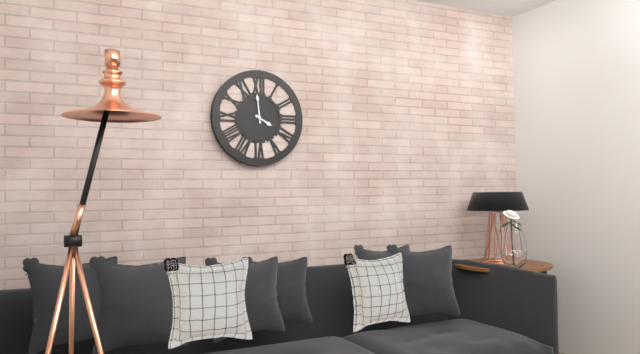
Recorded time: 3:59
